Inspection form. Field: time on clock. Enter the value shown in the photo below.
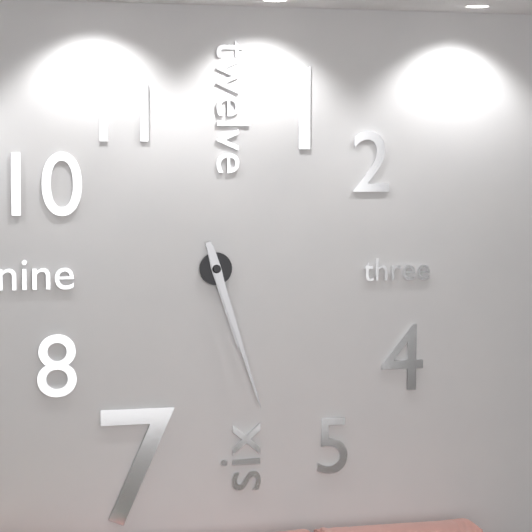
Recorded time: 5:27
